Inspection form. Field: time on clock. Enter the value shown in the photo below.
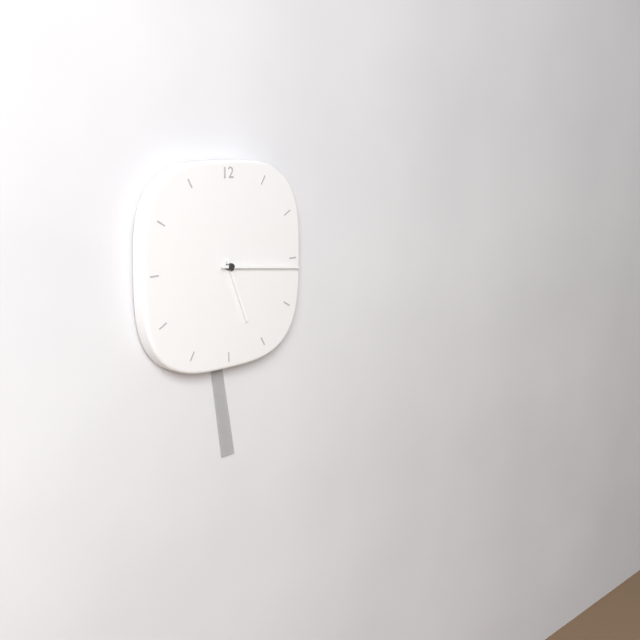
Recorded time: 5:16
